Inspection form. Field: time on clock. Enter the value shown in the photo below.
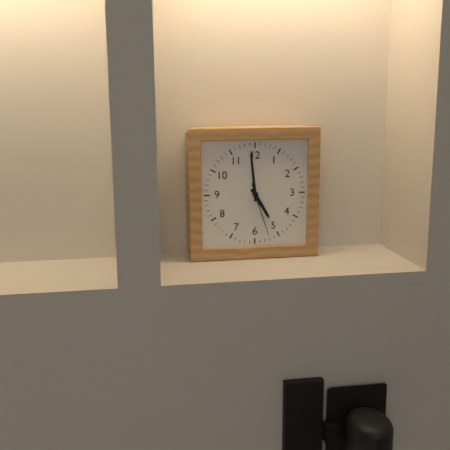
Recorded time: 4:59:27
